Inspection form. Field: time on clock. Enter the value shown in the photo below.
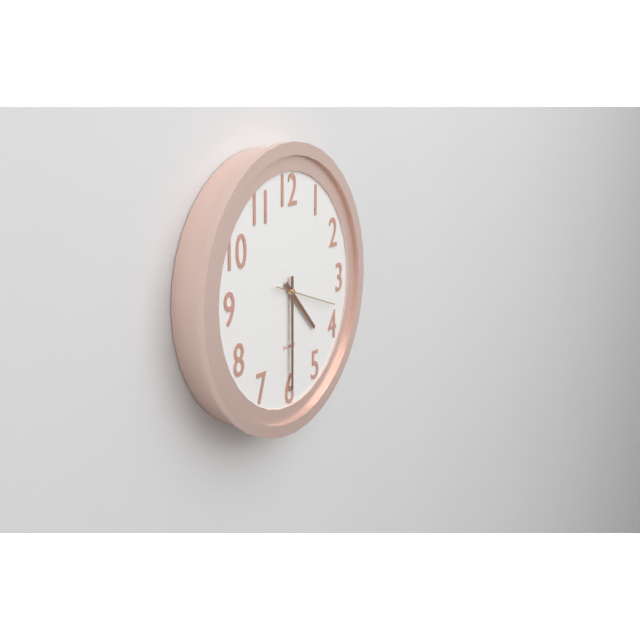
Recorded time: 4:30:18
